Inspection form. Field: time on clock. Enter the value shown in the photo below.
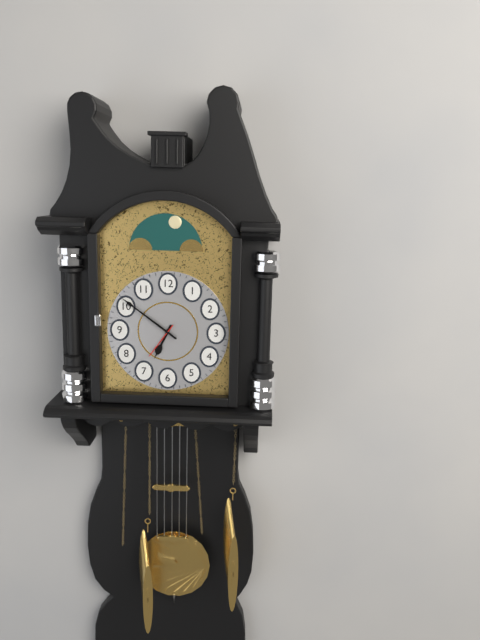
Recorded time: 6:51
